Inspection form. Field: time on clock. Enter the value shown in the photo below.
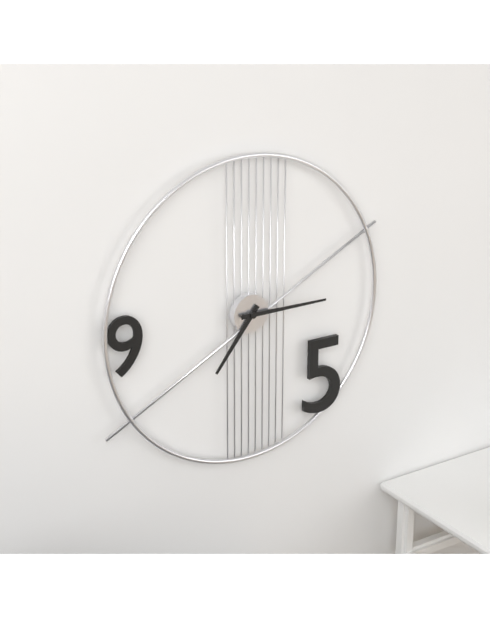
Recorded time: 7:15
